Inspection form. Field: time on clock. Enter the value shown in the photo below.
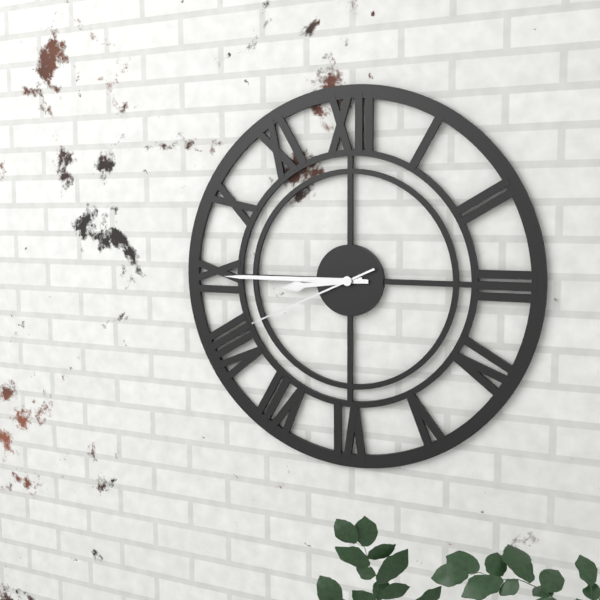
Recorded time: 8:45:41
